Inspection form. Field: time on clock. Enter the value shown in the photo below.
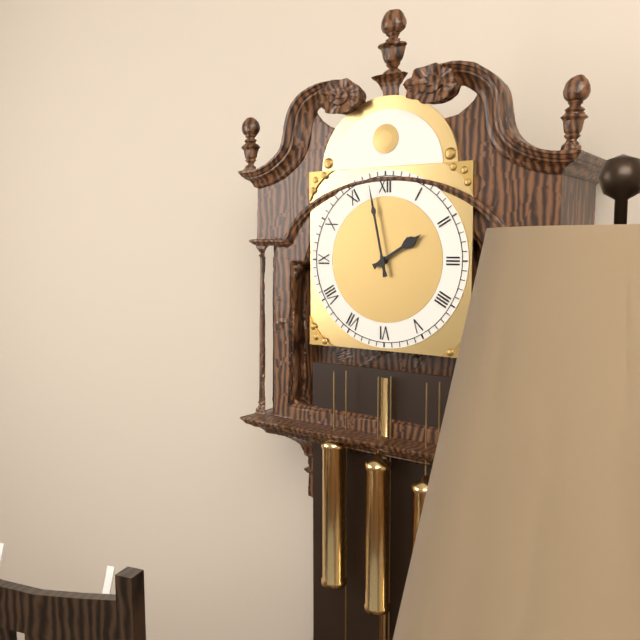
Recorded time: 1:58
